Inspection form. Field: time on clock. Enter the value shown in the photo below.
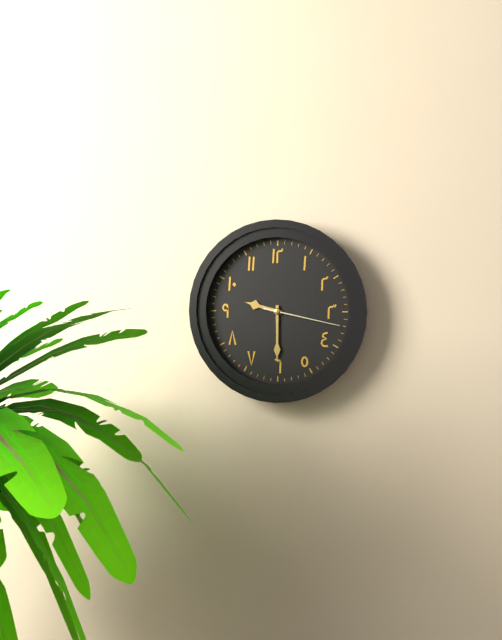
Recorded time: 9:30:17
